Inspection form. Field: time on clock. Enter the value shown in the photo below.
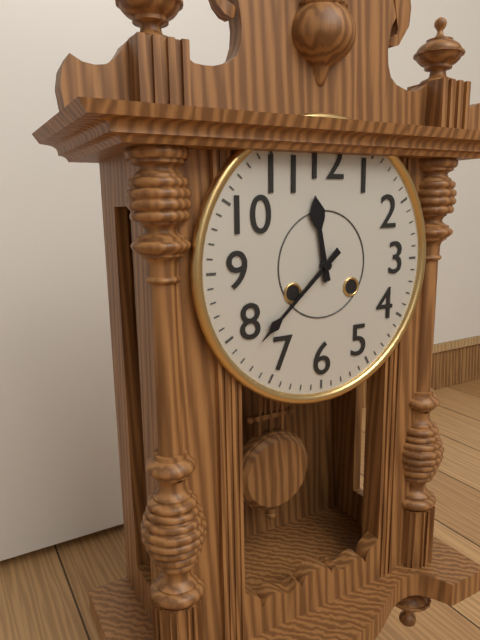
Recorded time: 11:38
